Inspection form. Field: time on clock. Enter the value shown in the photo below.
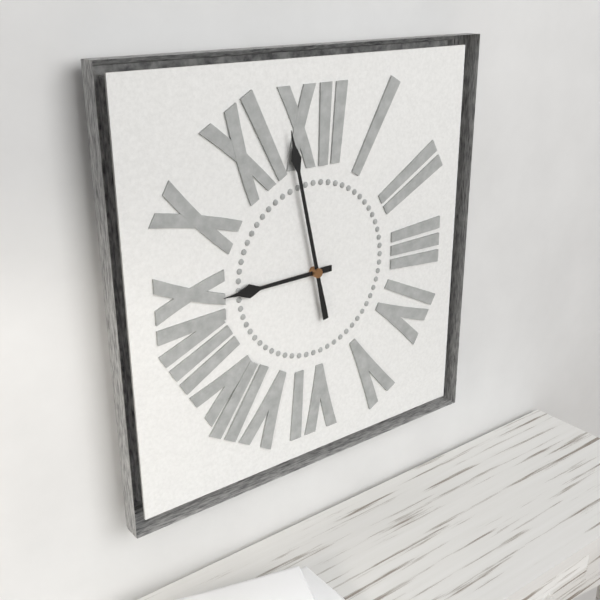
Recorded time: 8:58
